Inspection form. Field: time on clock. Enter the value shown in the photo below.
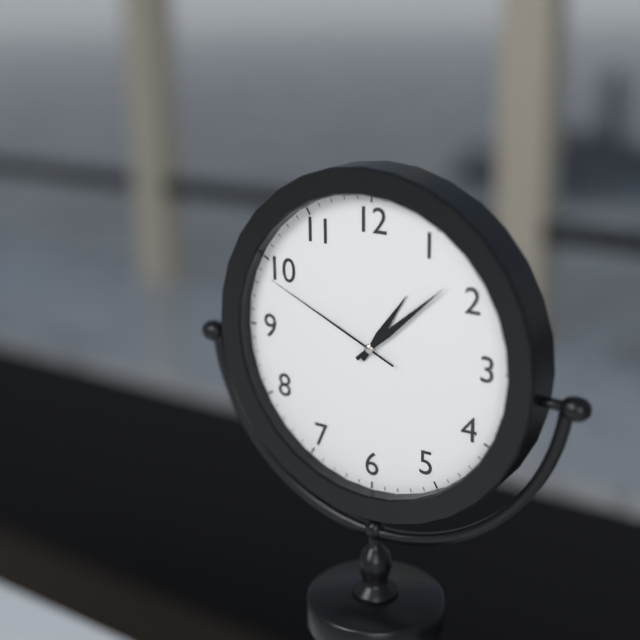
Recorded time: 1:08:49
